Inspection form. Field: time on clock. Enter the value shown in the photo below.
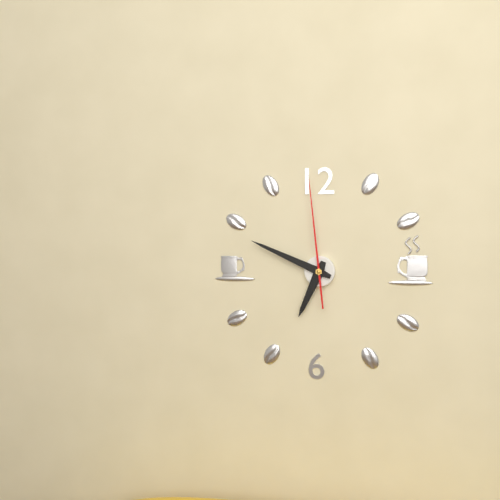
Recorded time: 6:49:59
